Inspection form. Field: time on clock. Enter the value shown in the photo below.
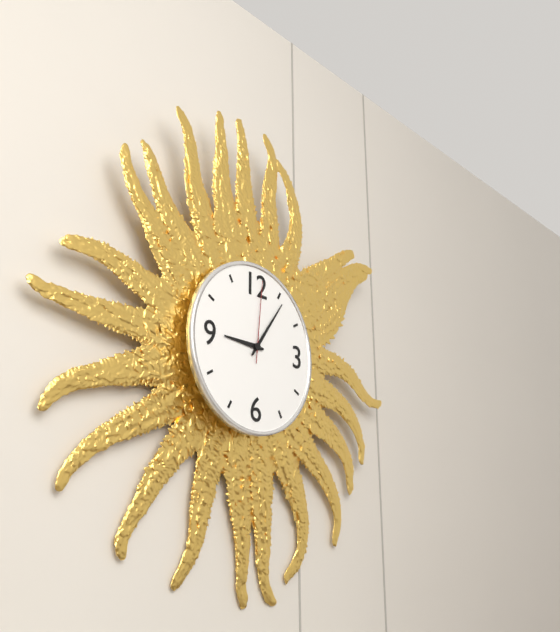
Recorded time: 9:06:01
